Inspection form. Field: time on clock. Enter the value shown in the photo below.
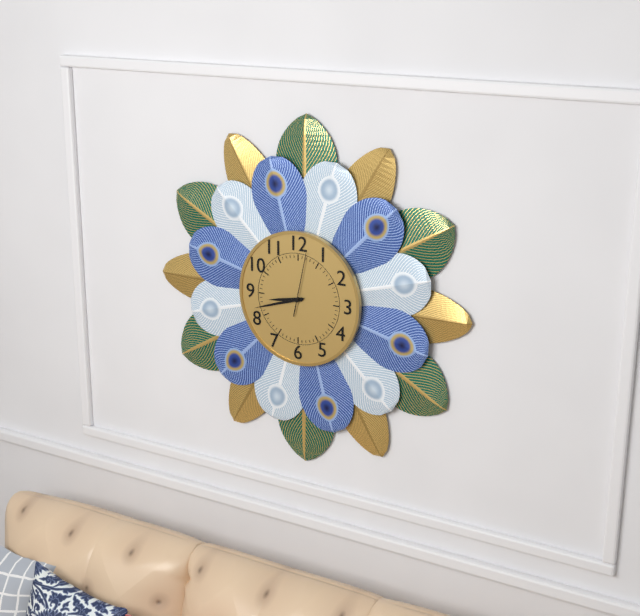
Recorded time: 8:42:02
